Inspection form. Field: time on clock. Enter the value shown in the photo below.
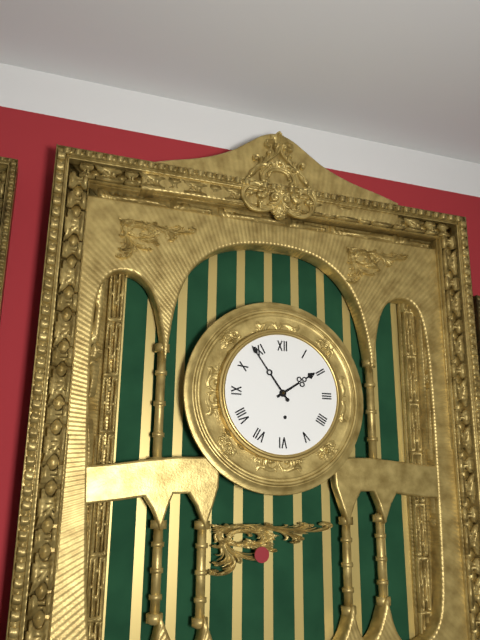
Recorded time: 1:54
